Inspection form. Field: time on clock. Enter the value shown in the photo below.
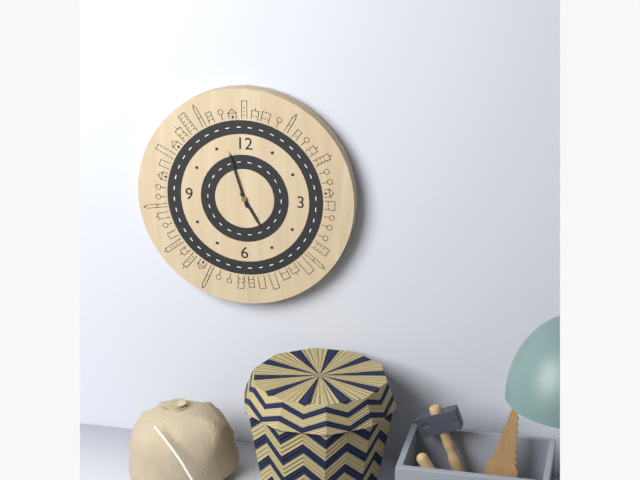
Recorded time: 4:57
